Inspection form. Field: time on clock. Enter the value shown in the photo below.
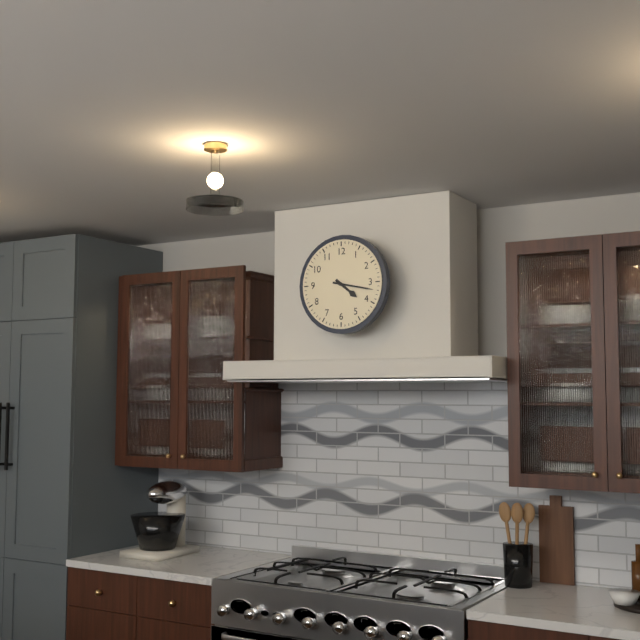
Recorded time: 4:17
